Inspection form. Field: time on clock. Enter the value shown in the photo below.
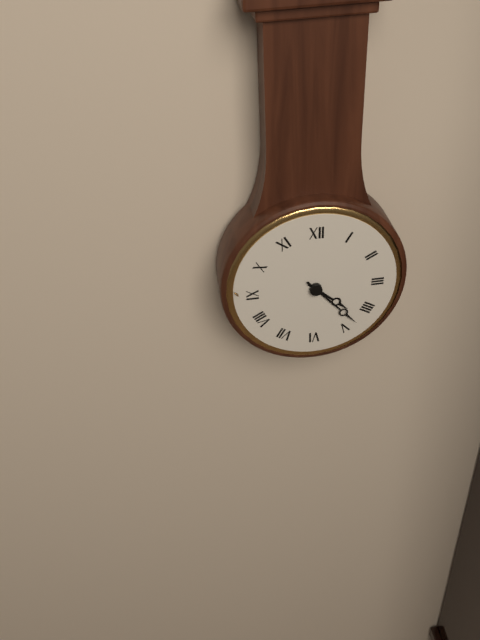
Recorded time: 4:23
